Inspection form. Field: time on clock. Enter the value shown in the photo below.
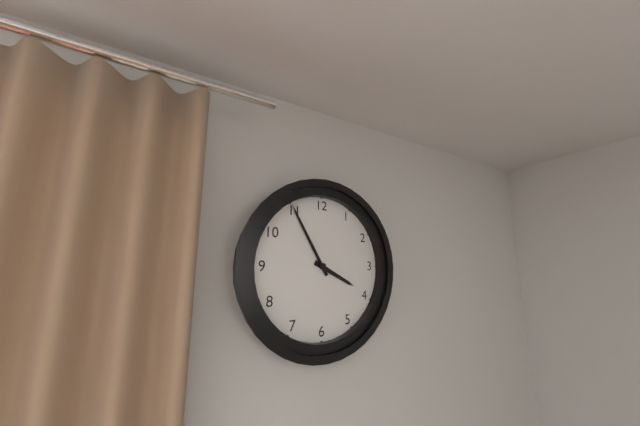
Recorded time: 3:55
